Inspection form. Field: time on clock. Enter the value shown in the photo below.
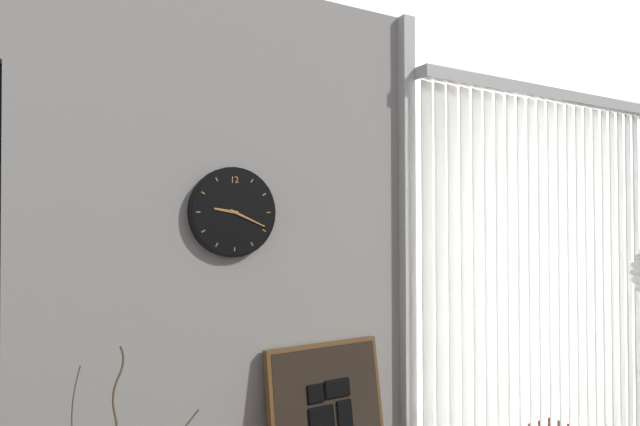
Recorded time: 9:19
